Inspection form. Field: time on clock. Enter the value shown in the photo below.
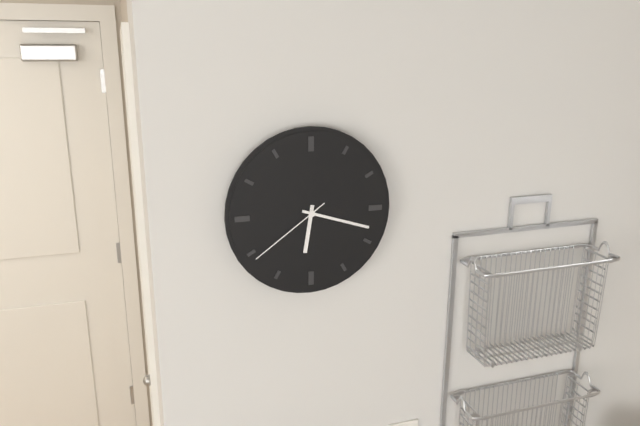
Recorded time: 6:18:39
